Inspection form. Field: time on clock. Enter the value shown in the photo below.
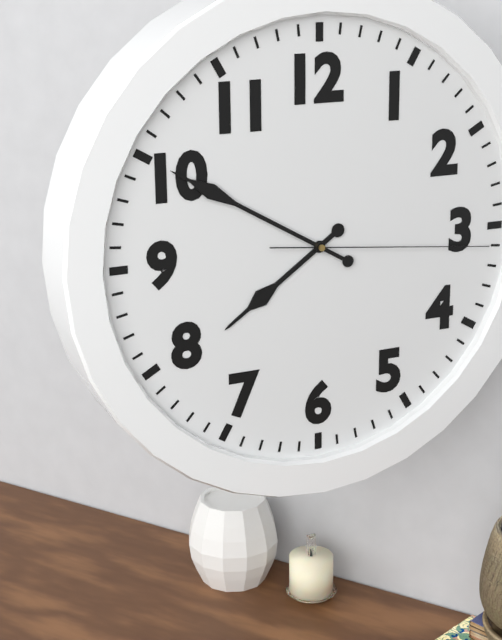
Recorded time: 7:50:16
